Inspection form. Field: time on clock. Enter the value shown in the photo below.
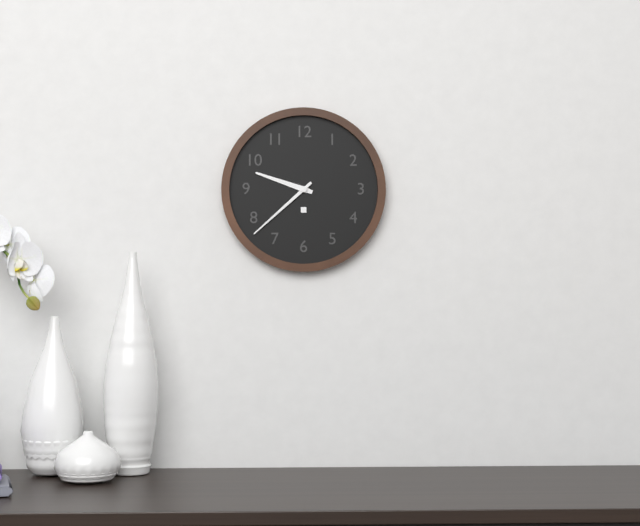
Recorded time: 9:38
